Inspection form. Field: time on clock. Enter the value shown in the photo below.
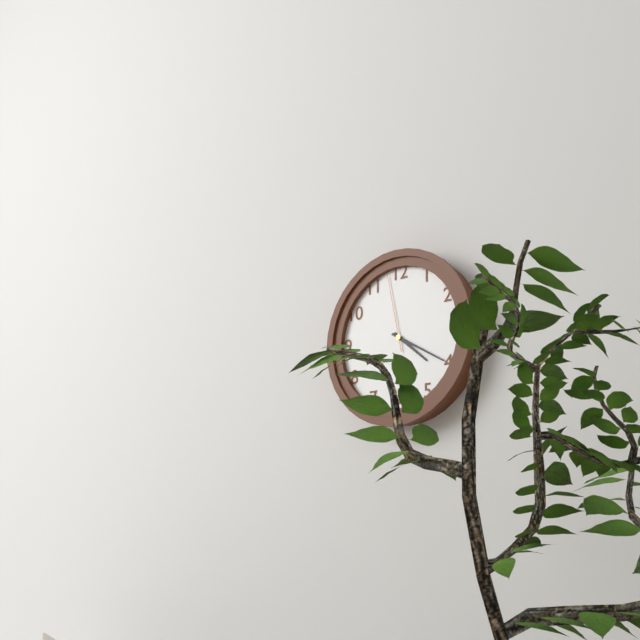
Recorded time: 4:20:58
